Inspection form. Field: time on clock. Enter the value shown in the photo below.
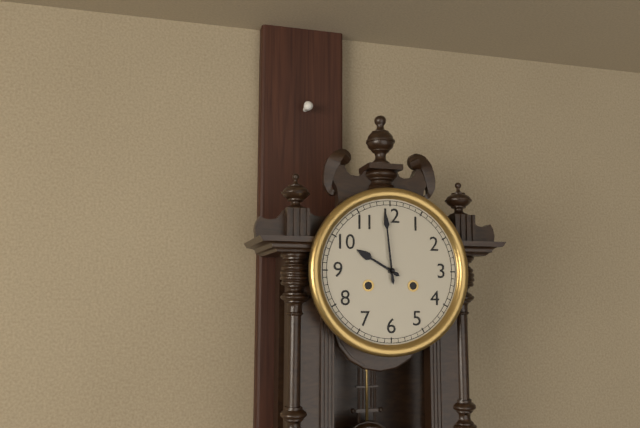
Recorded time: 9:59
